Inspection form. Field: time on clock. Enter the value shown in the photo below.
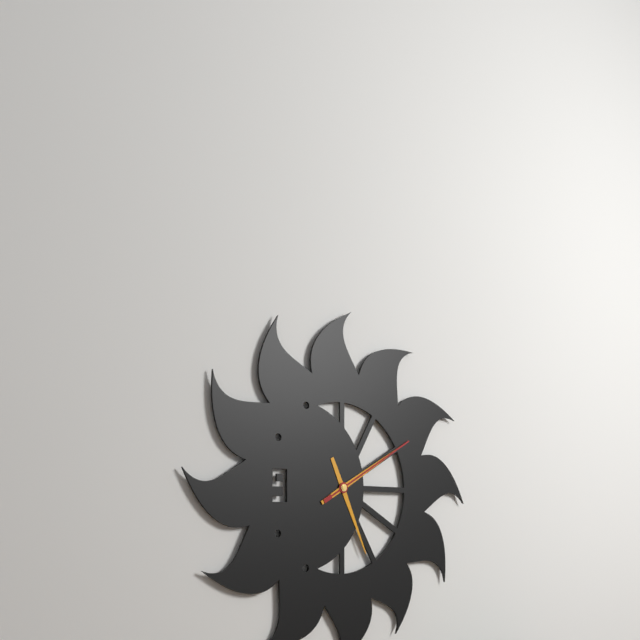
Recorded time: 5:10:10
